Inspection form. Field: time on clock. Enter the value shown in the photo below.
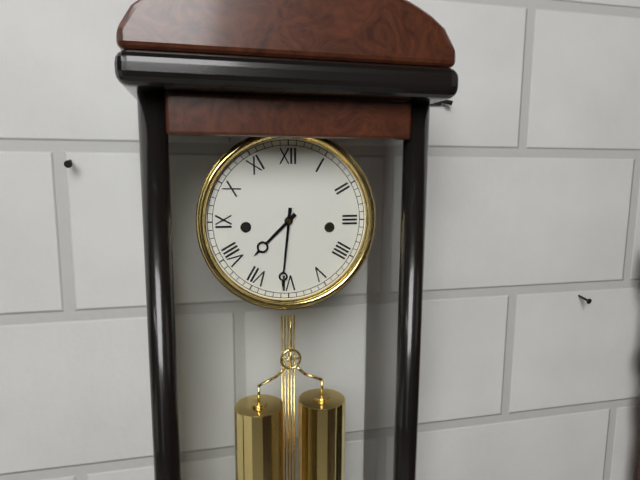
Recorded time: 7:31
